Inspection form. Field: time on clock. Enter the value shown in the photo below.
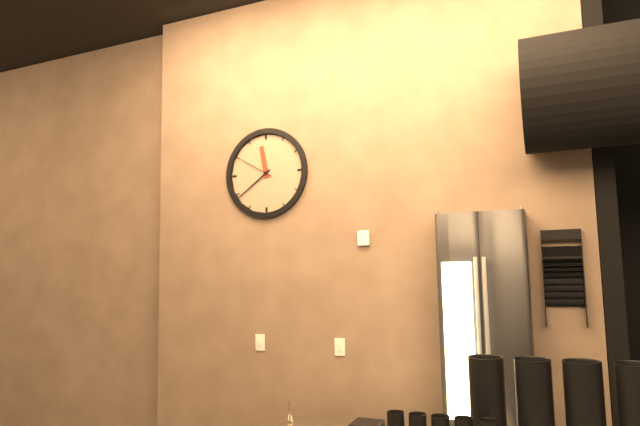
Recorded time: 11:39
